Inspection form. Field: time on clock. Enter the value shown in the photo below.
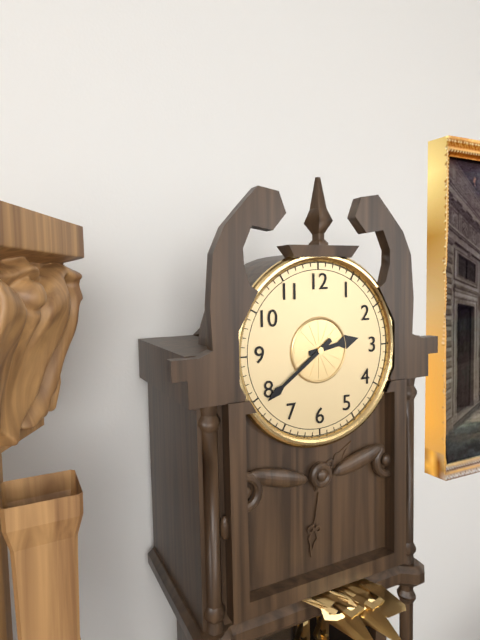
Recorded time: 2:39
